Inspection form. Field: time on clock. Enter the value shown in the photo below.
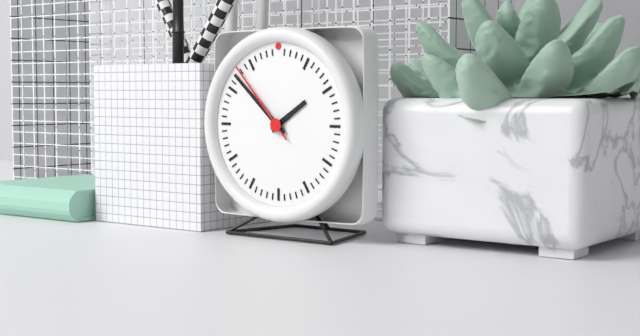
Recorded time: 1:52:53
